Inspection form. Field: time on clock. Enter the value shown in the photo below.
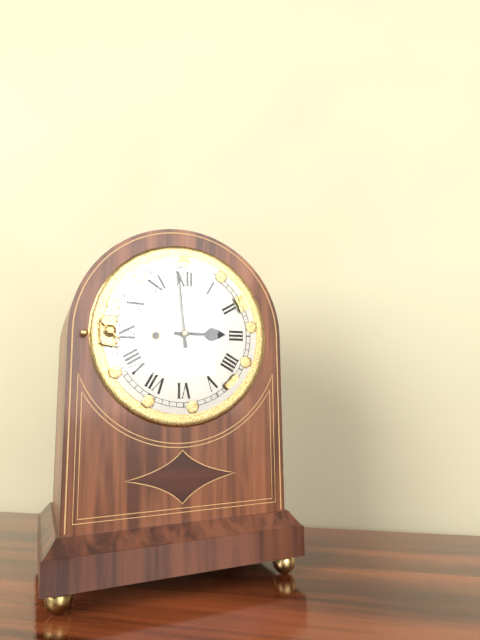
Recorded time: 2:59
